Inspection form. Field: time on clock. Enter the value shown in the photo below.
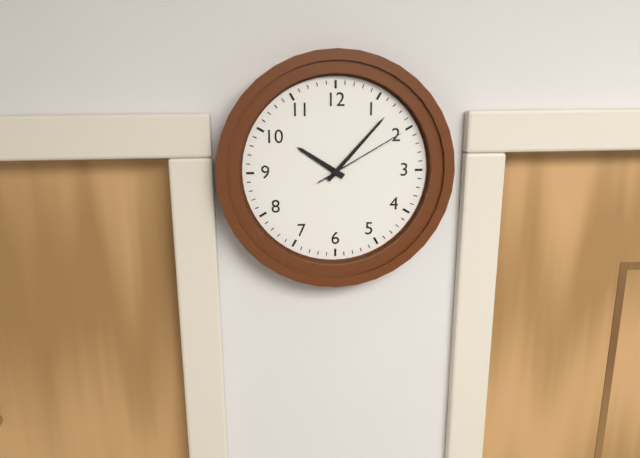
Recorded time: 10:07:10
